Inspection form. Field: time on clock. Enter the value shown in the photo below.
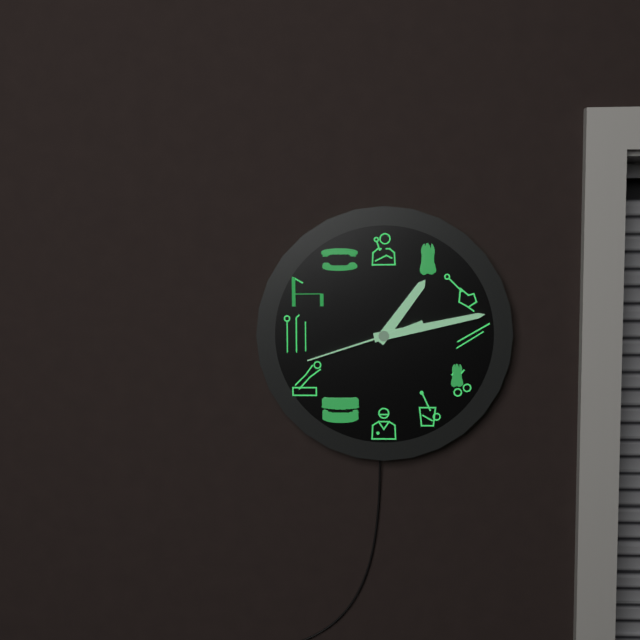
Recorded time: 1:13:42
